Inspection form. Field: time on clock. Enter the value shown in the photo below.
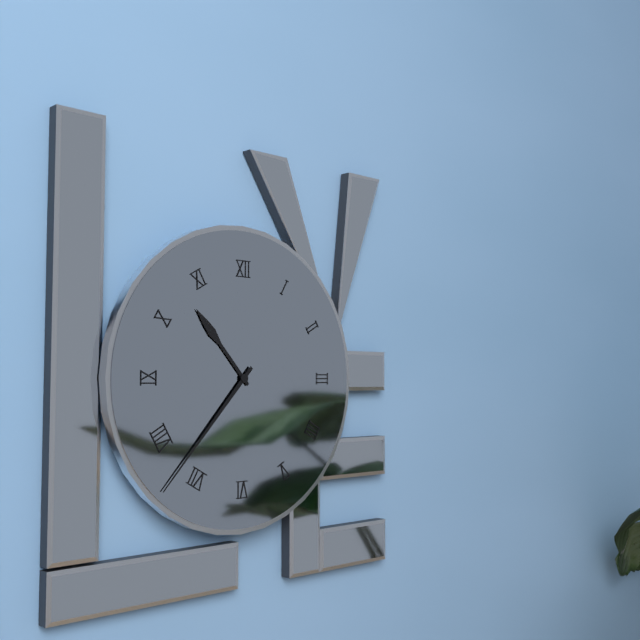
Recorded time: 10:37
